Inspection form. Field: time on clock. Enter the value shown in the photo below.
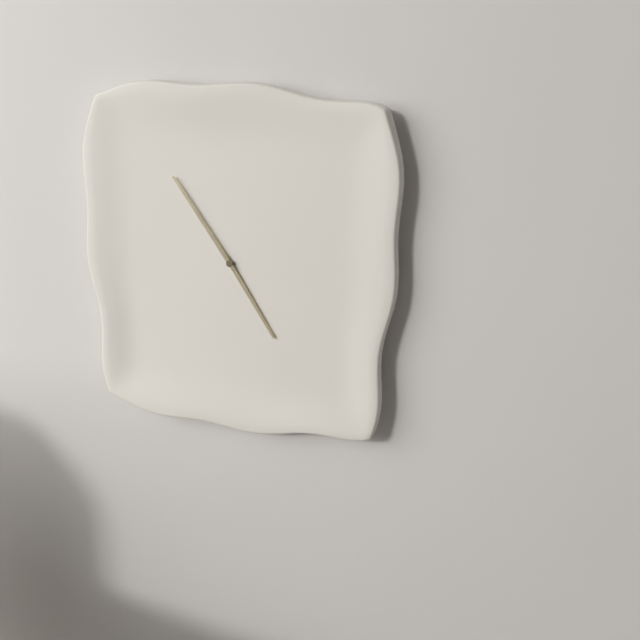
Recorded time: 4:54
